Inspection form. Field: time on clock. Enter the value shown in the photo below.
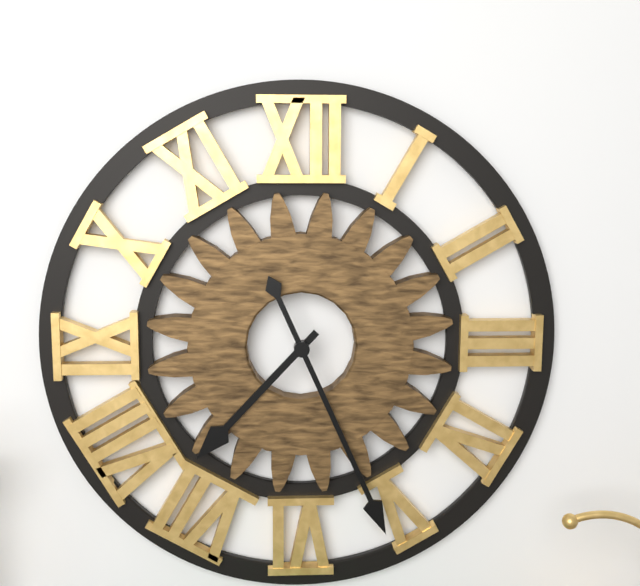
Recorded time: 7:26
